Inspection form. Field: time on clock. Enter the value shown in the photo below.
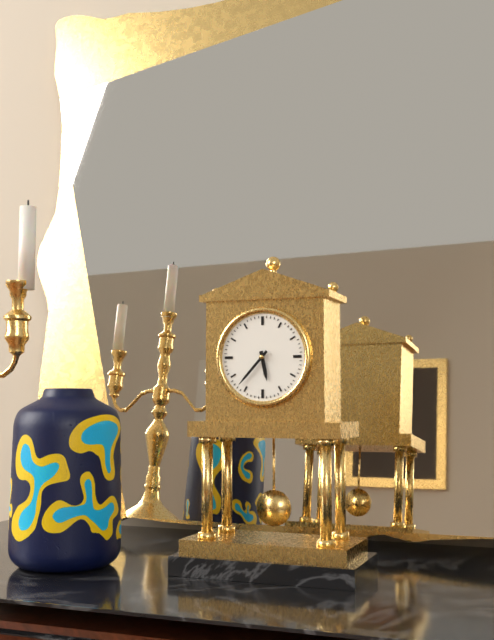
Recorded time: 5:37
